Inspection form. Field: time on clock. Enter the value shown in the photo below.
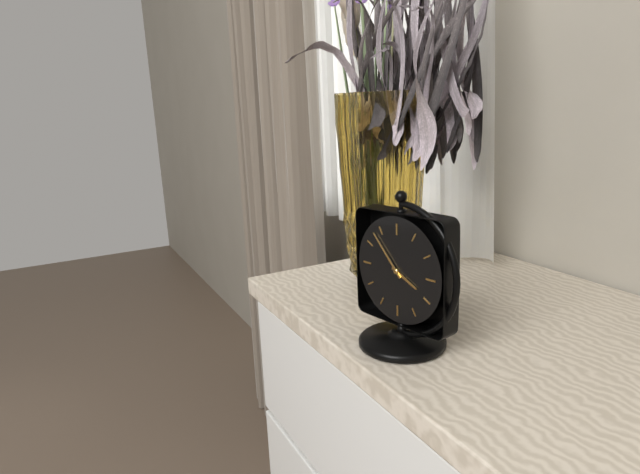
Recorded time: 3:53
